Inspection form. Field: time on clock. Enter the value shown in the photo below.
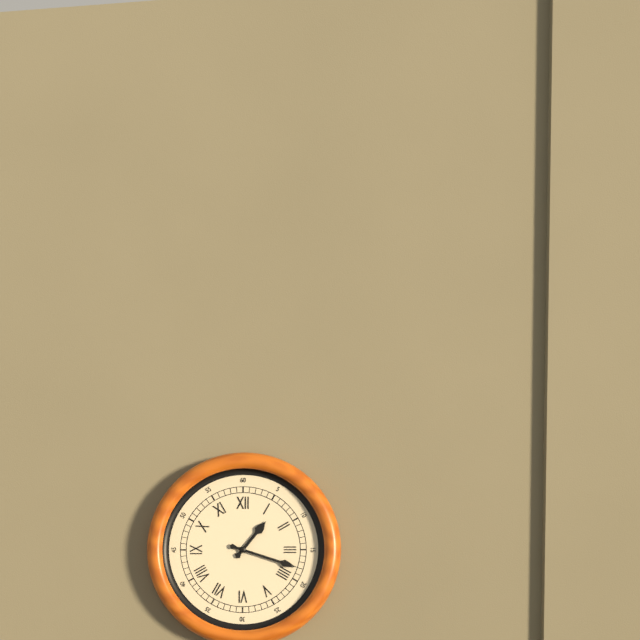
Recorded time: 1:18
